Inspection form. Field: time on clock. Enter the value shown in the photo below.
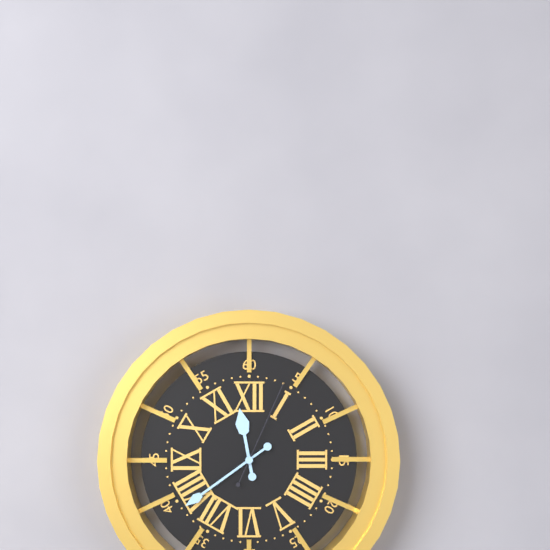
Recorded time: 11:39:04
